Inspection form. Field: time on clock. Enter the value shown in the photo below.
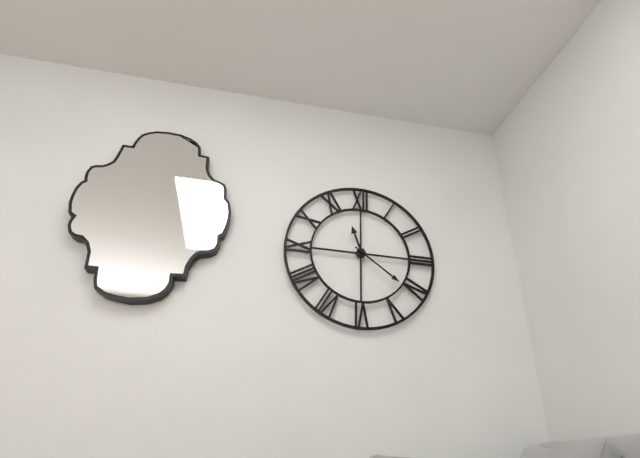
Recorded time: 11:21
